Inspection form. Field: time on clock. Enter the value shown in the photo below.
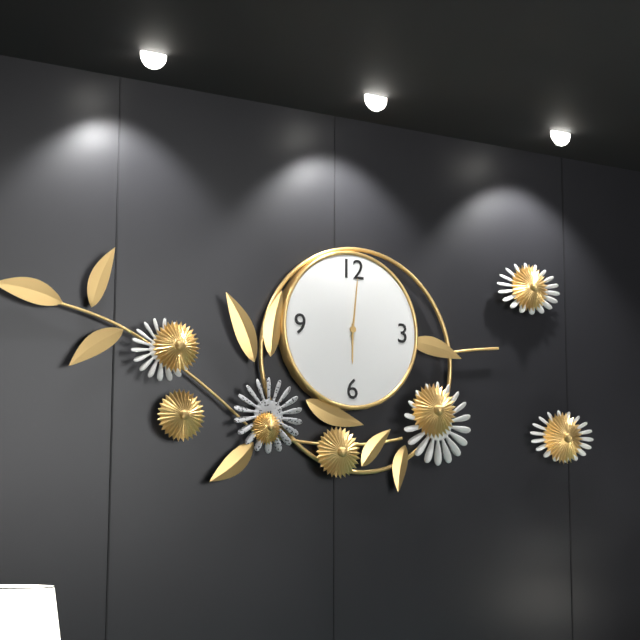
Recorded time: 6:01
